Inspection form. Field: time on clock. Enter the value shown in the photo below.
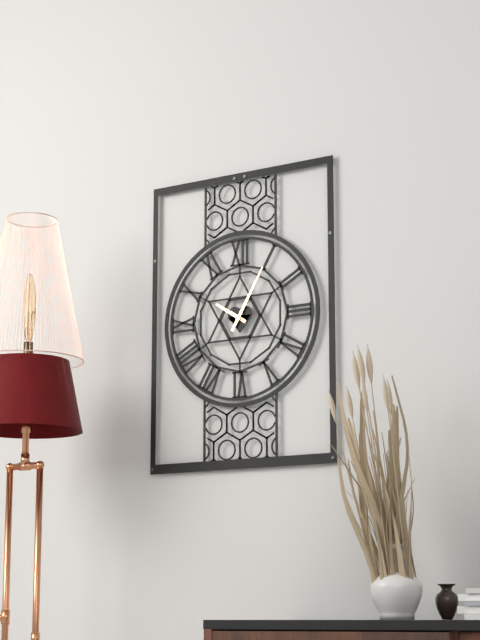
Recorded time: 10:05
